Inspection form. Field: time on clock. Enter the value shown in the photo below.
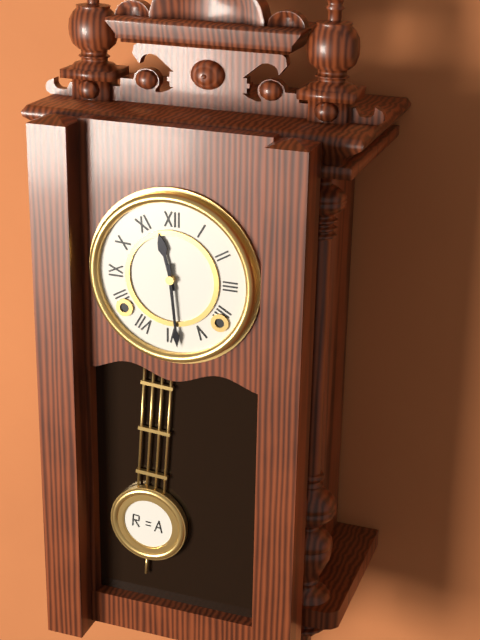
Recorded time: 11:29
